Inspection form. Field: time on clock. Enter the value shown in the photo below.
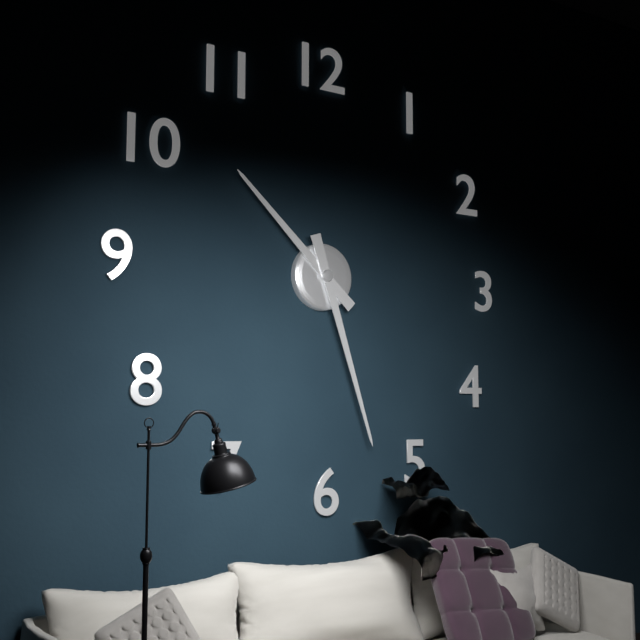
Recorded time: 10:27
